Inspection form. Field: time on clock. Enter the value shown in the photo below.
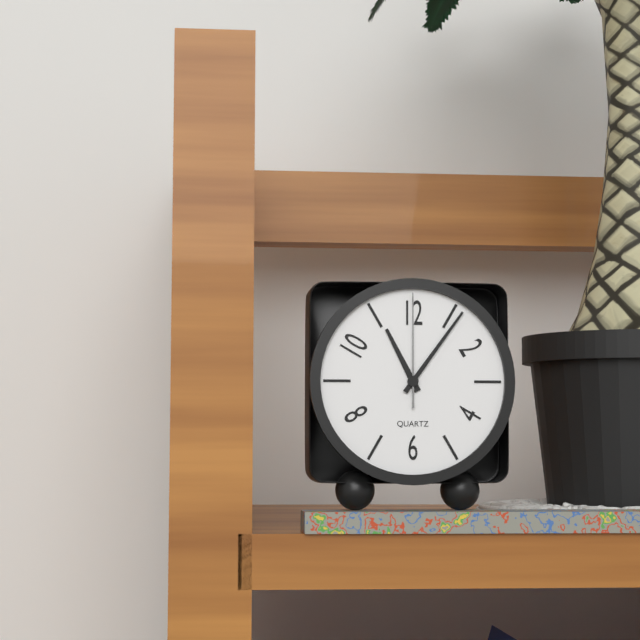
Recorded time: 11:06:00
